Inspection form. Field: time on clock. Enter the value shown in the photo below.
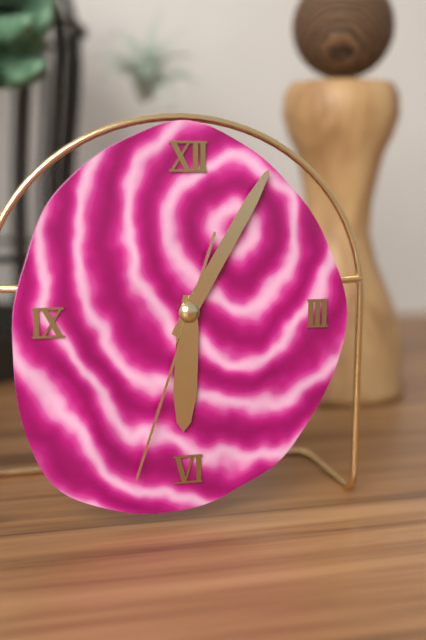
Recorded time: 6:05:33
